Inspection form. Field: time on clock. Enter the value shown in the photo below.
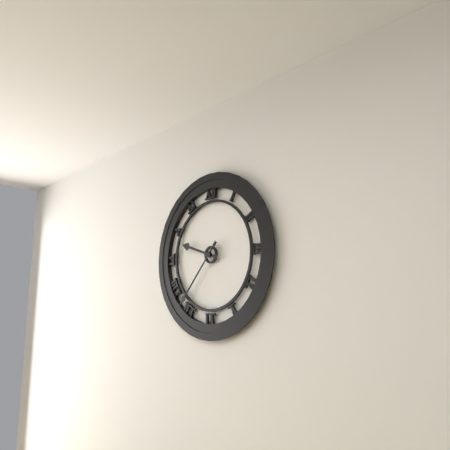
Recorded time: 9:37
